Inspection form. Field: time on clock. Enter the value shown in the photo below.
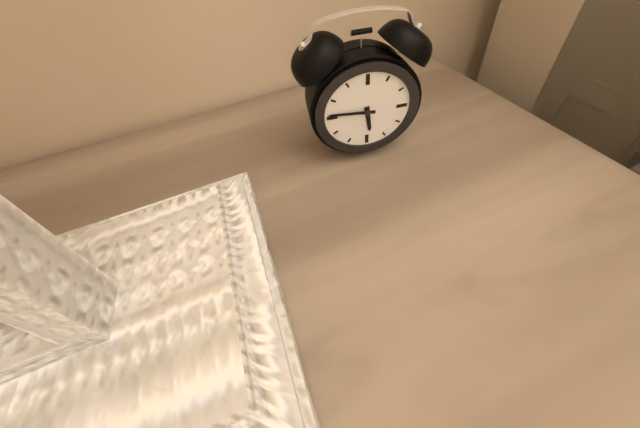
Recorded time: 5:46
